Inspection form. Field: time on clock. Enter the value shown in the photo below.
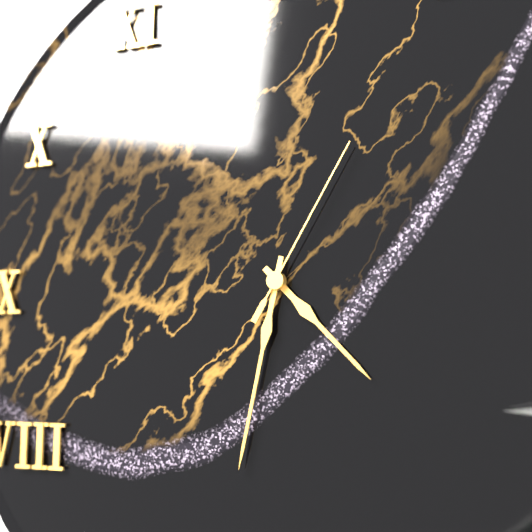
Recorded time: 4:32:05
